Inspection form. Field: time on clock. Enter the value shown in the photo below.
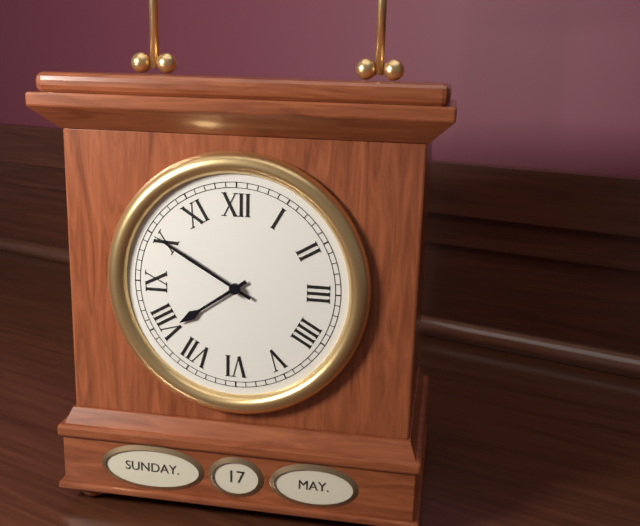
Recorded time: 7:50
